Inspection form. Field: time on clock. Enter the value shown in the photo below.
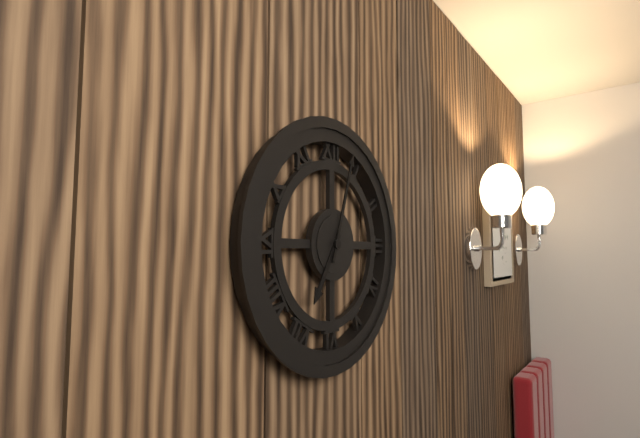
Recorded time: 7:03
